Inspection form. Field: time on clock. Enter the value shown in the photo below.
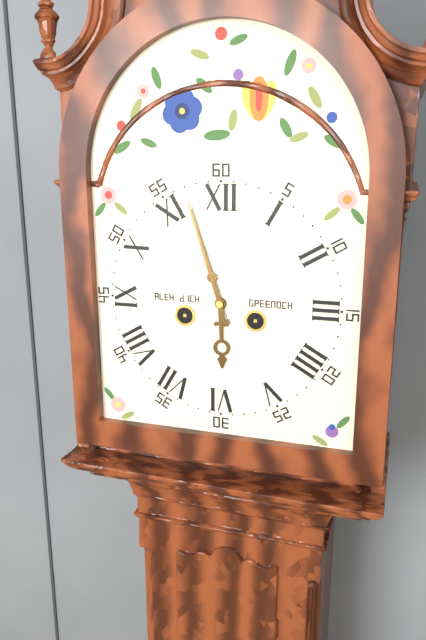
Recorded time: 5:57
